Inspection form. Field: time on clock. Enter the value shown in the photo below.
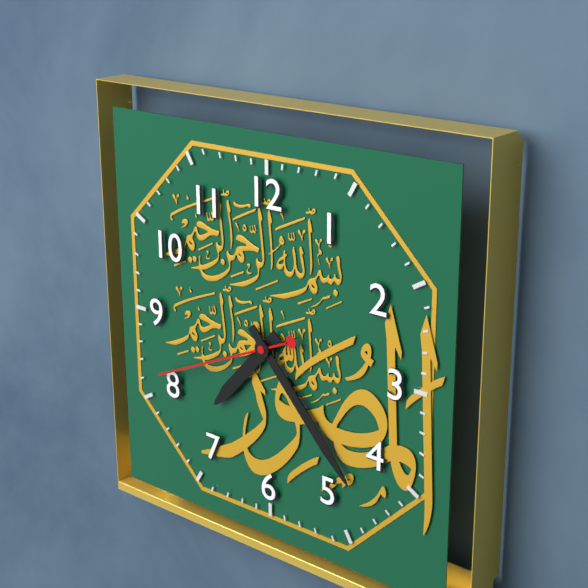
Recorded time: 7:23:41
